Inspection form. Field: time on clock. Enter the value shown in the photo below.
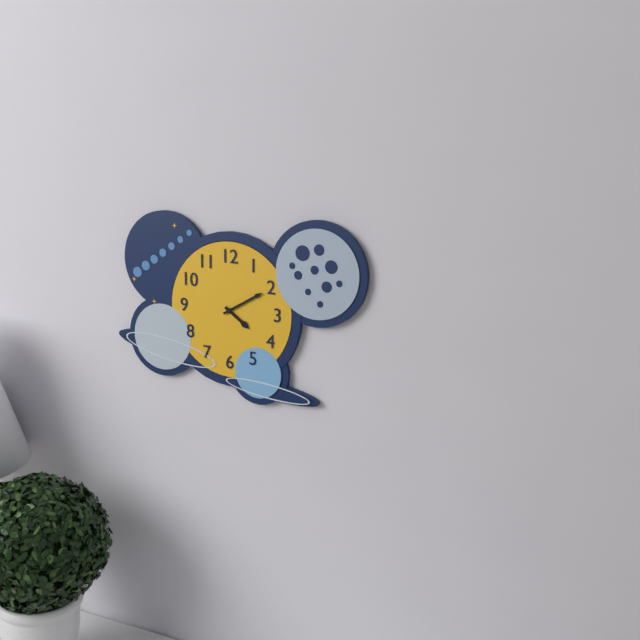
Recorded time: 4:10
